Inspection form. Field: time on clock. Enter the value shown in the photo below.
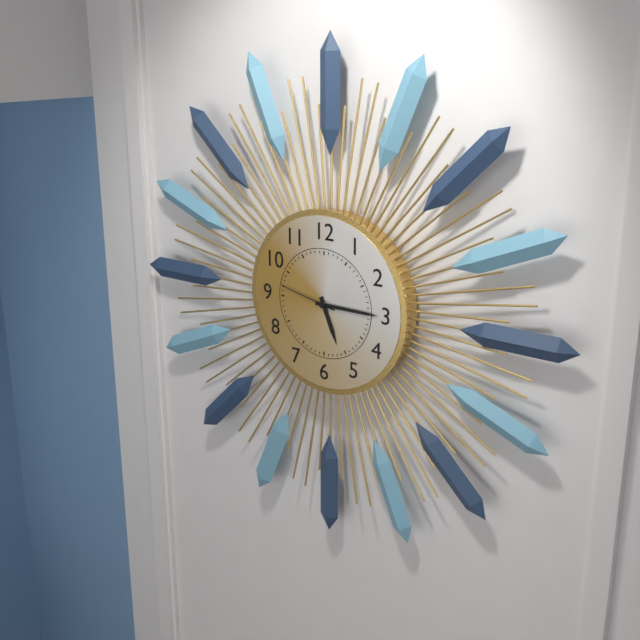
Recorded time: 5:15:47
